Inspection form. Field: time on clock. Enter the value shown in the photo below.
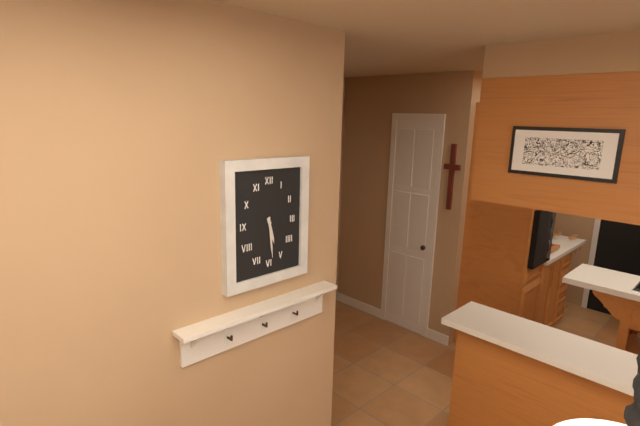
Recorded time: 5:29
